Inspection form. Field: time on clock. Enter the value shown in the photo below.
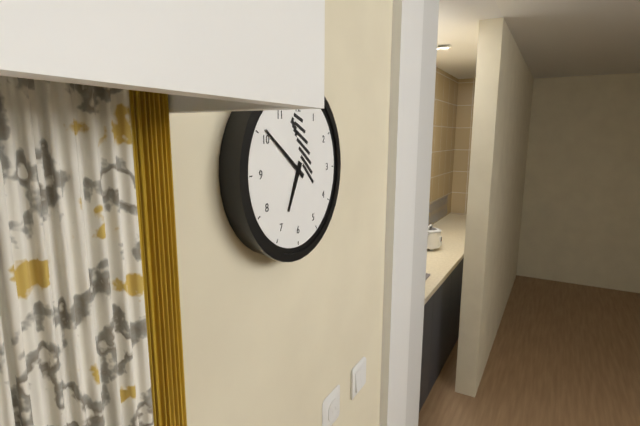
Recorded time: 6:51
